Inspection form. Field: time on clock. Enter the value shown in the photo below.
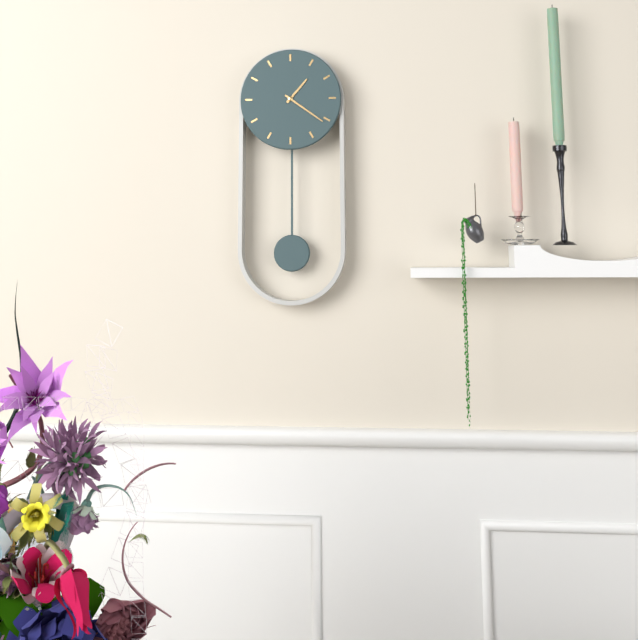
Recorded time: 1:21
